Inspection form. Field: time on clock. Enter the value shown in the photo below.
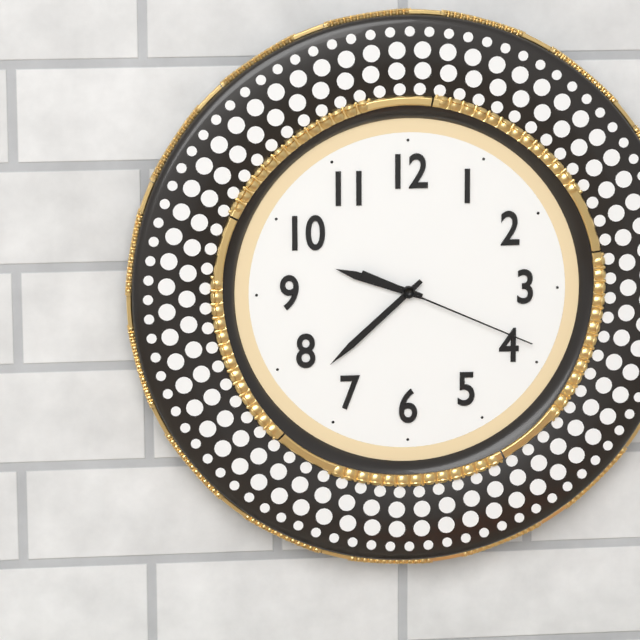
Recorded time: 9:38:19
